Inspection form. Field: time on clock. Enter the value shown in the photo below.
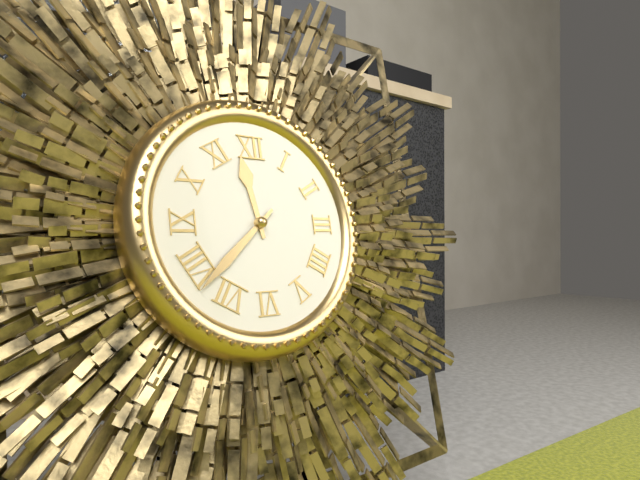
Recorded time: 11:38
